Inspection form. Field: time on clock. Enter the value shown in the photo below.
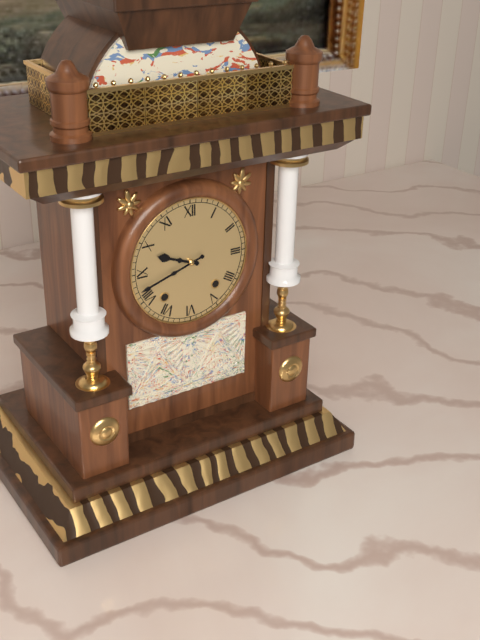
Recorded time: 9:42
